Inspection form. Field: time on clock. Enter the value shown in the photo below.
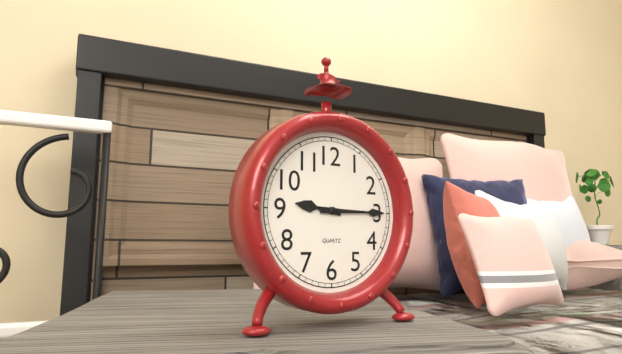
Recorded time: 9:15
